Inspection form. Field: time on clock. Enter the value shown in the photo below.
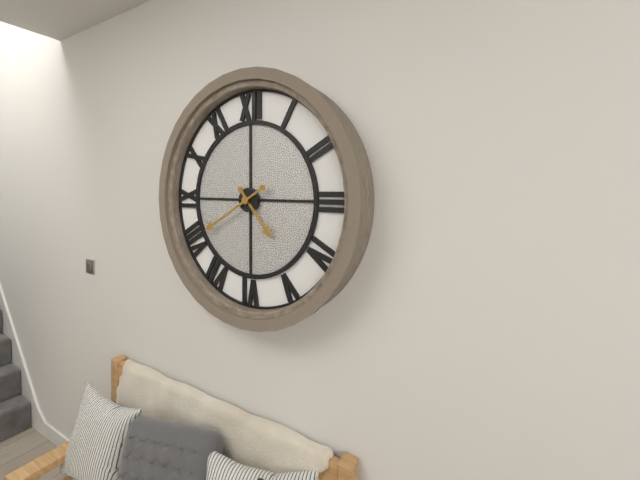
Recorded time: 4:40
